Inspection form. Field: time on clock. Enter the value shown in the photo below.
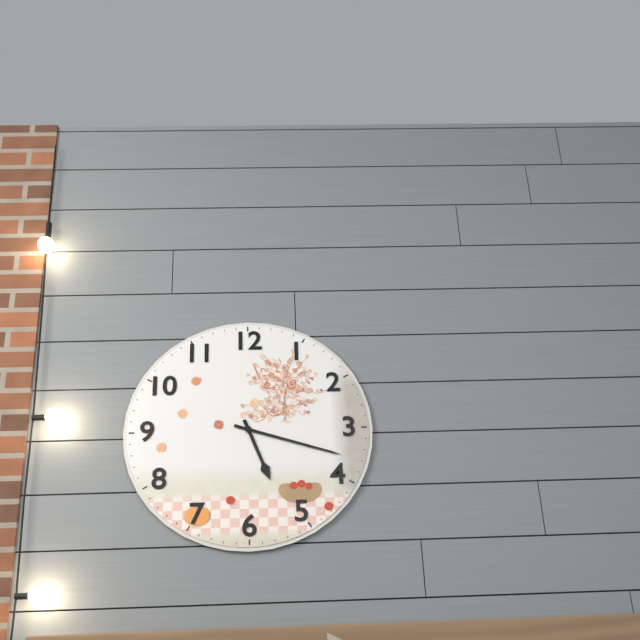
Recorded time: 5:18
